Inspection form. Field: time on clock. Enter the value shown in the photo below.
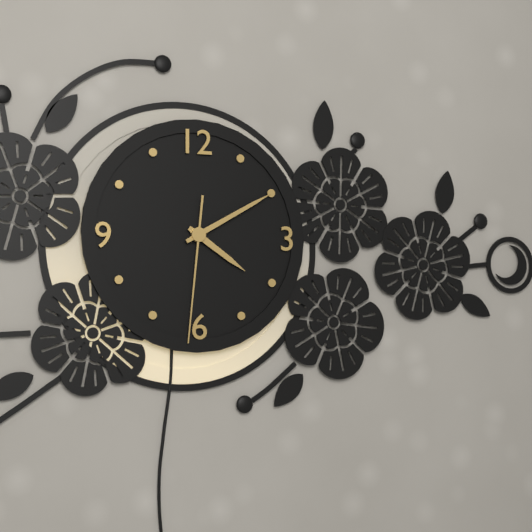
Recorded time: 4:10:31
